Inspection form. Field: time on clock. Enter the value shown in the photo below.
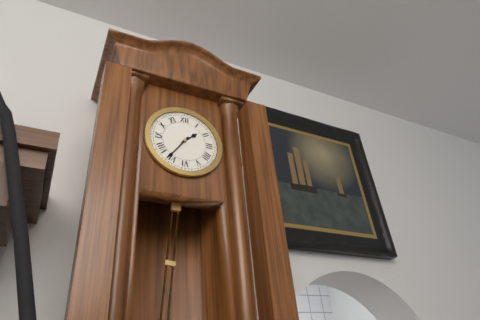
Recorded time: 1:36
